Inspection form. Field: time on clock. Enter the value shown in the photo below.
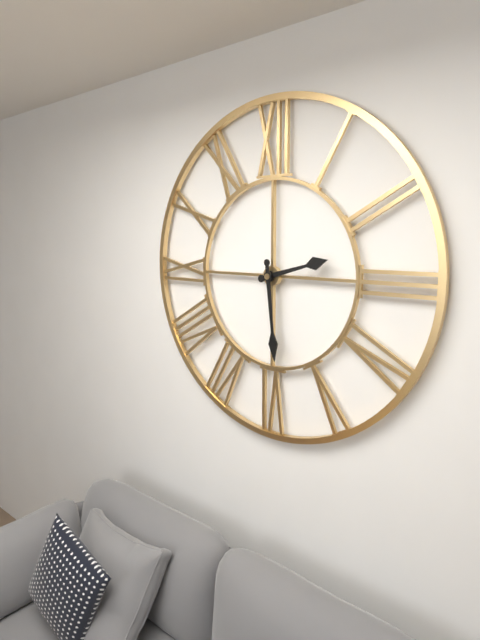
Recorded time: 2:29
